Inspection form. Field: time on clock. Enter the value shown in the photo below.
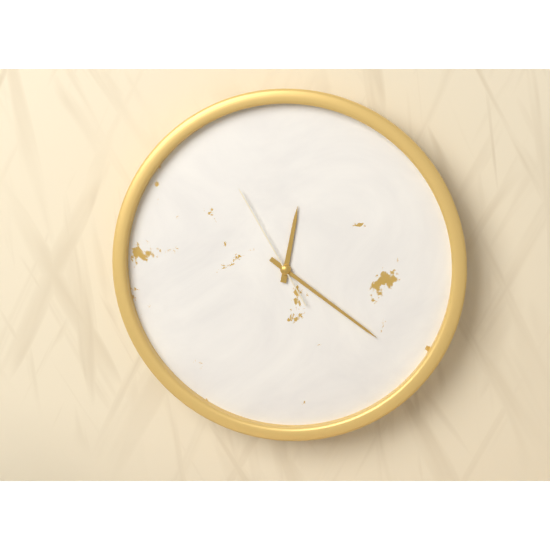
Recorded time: 12:21:55
